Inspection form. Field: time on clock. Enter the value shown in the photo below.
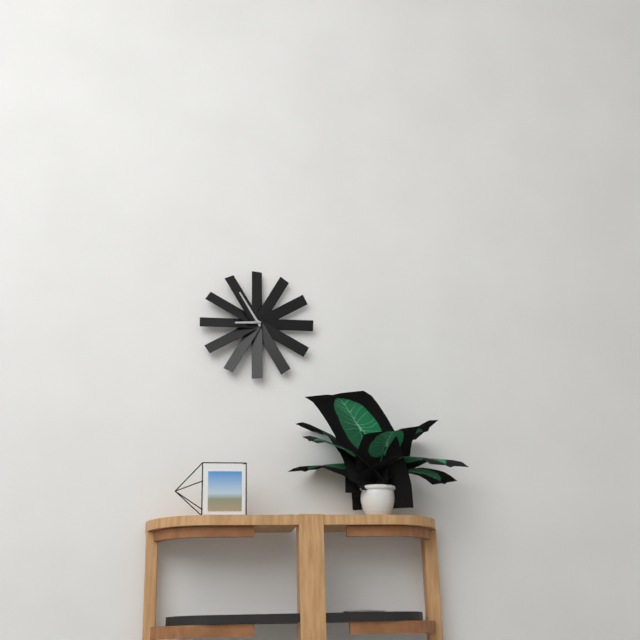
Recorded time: 8:55
